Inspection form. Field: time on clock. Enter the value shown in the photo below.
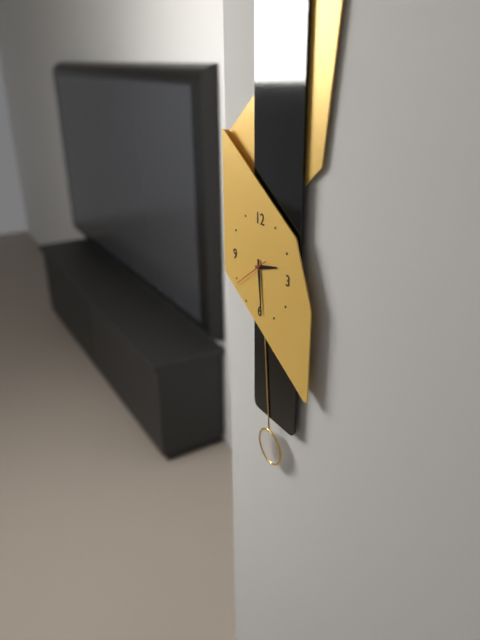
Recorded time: 2:29
